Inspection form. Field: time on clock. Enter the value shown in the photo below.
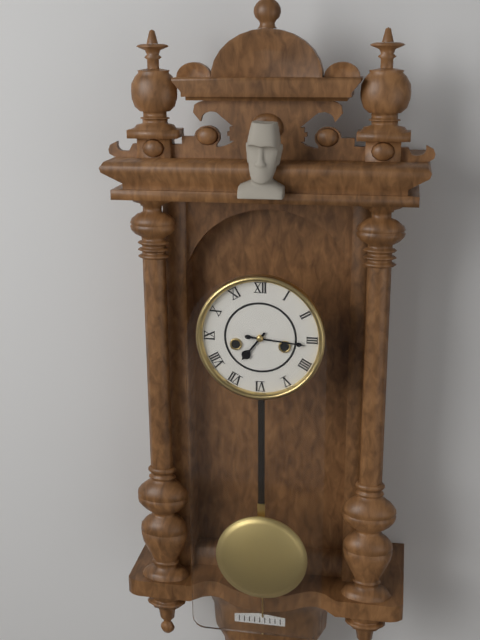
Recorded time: 7:16
